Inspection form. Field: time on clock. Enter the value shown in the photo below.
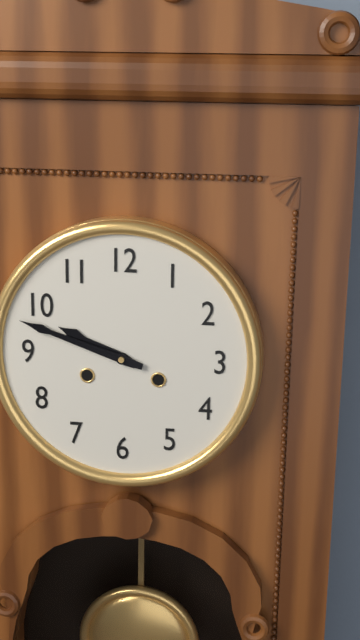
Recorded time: 9:48
